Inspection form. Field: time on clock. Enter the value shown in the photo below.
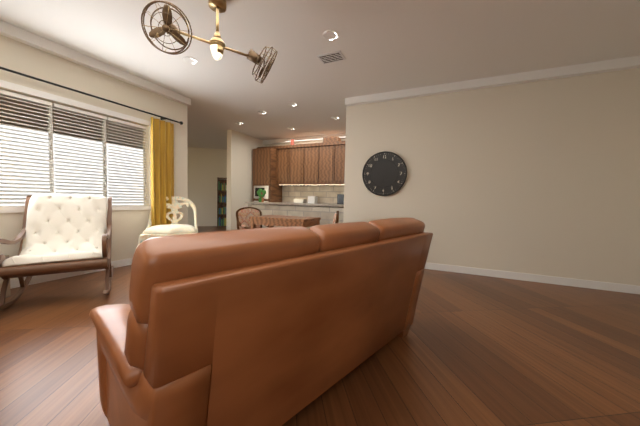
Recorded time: 6:16
